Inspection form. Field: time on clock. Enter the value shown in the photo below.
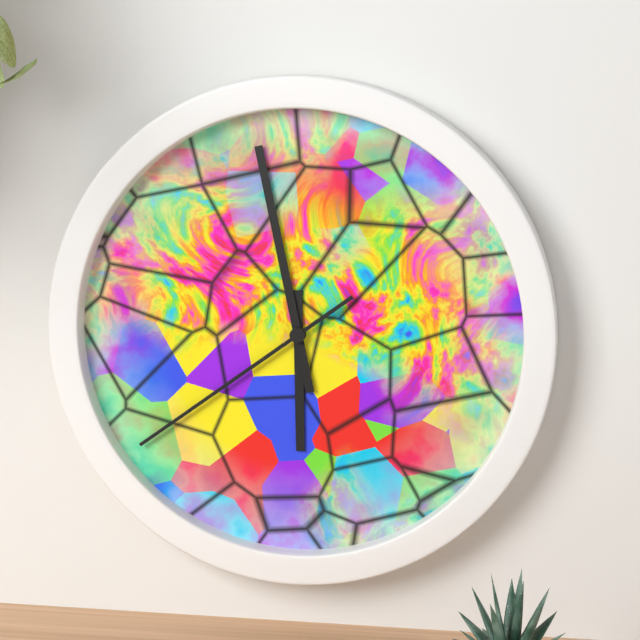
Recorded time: 5:58:39
